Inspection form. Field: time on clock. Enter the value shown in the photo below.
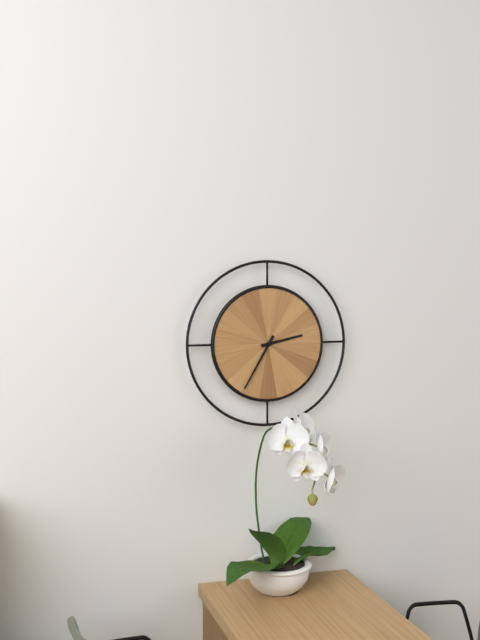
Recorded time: 2:35
